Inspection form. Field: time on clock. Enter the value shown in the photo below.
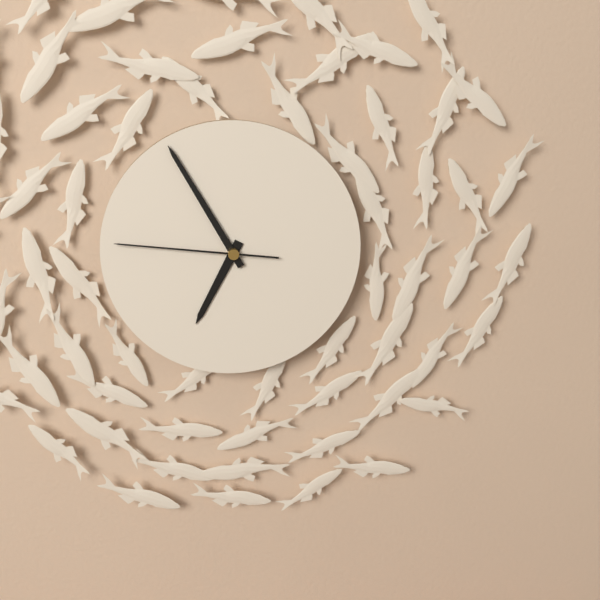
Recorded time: 6:55:46
